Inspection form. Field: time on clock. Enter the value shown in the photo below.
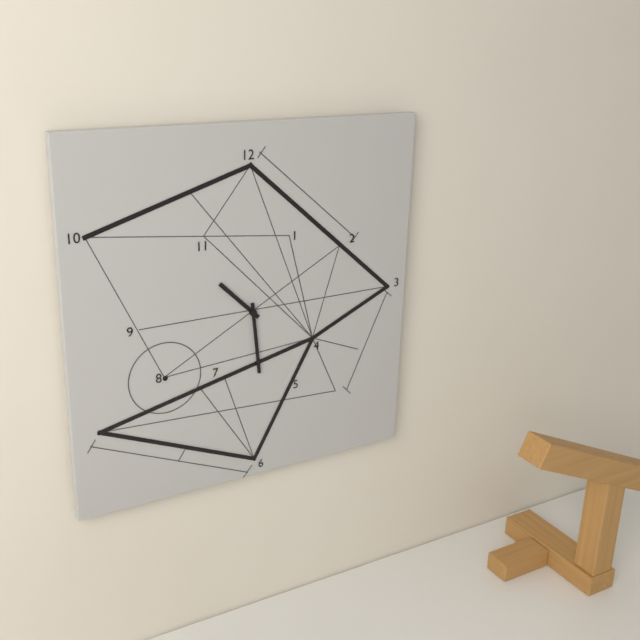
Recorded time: 10:29
